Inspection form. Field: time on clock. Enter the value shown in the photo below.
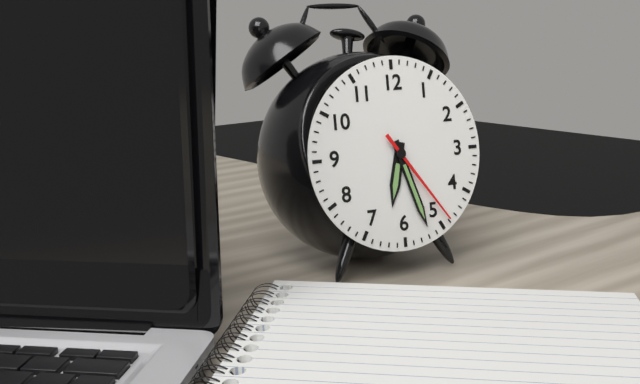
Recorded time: 6:27:24
